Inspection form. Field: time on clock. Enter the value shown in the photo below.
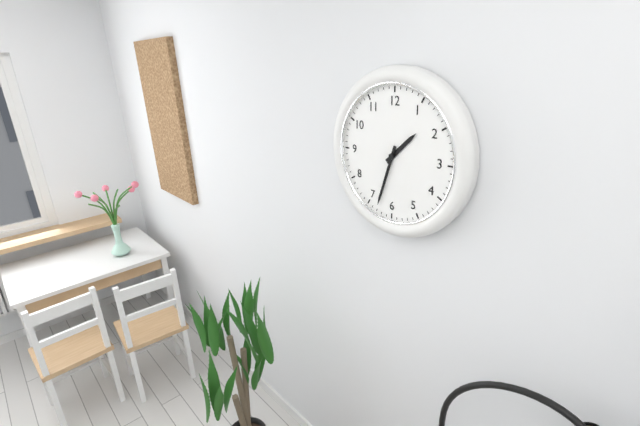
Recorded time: 1:33
